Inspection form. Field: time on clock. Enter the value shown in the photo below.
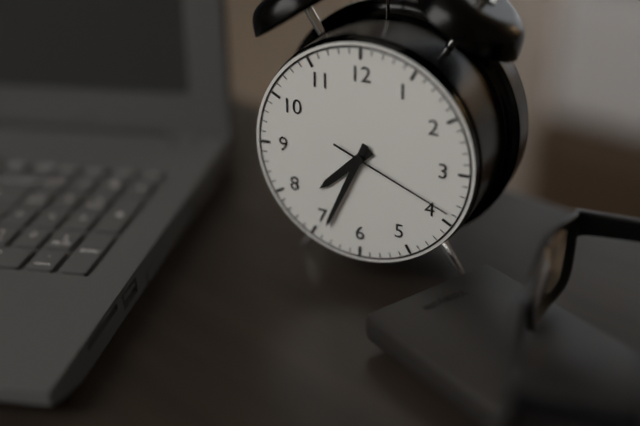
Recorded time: 7:34:19
